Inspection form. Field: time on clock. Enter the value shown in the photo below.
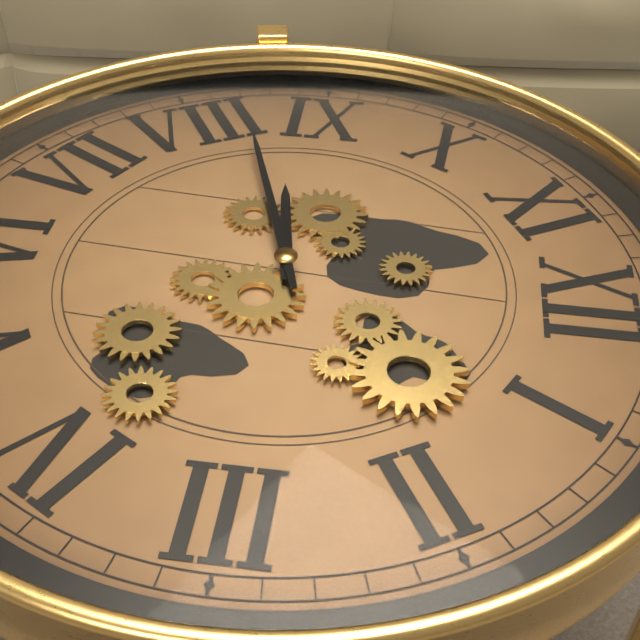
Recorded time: 8:42
